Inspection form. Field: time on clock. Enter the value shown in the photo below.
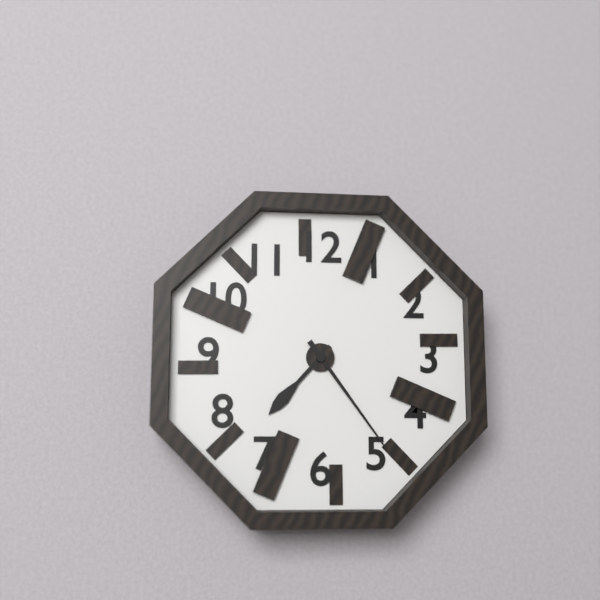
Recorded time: 7:24
